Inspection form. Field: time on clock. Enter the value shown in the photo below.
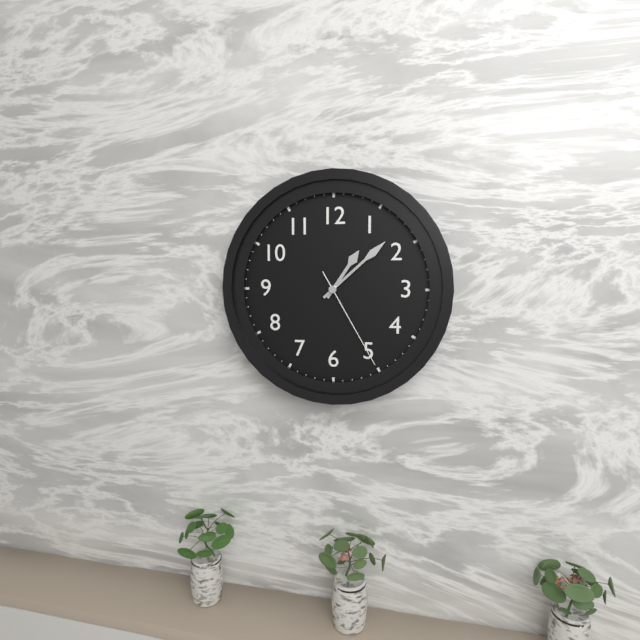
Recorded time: 1:08:25
